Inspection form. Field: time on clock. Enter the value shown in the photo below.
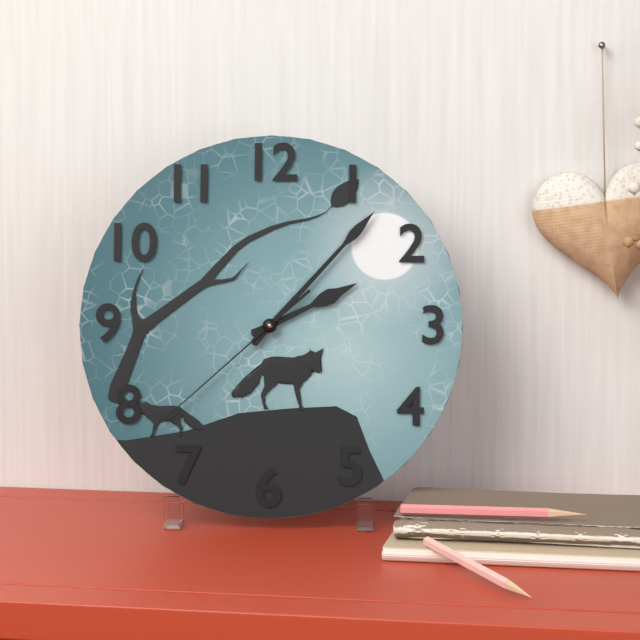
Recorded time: 2:07:38
